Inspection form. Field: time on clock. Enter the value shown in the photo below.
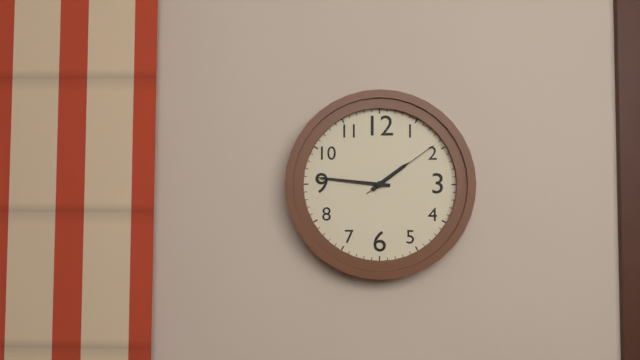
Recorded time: 1:46:09
